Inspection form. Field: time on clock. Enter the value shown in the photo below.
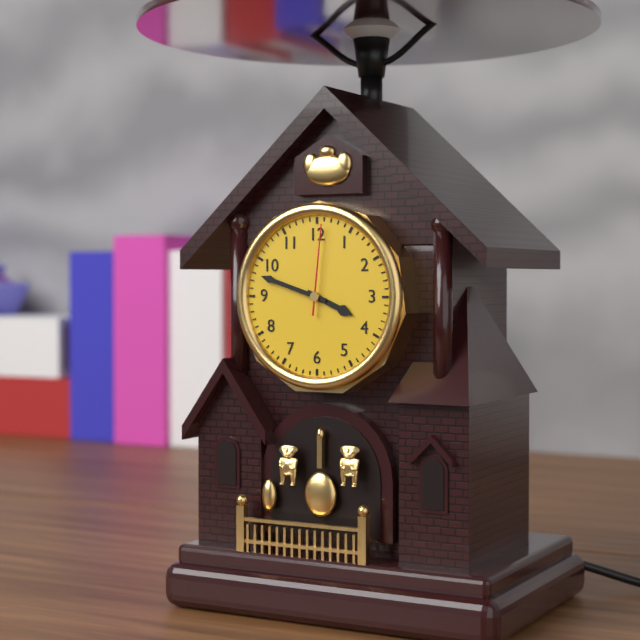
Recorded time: 3:48:01
